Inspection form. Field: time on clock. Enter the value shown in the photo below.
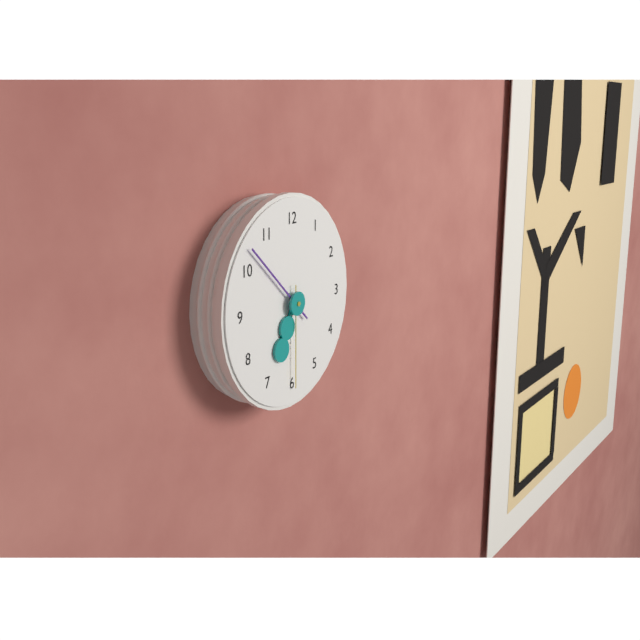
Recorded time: 6:52:30
